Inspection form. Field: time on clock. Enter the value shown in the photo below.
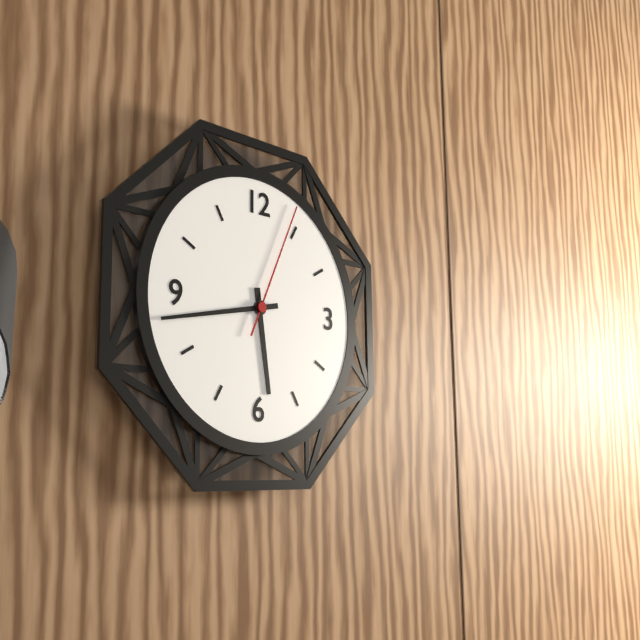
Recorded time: 5:43:04
